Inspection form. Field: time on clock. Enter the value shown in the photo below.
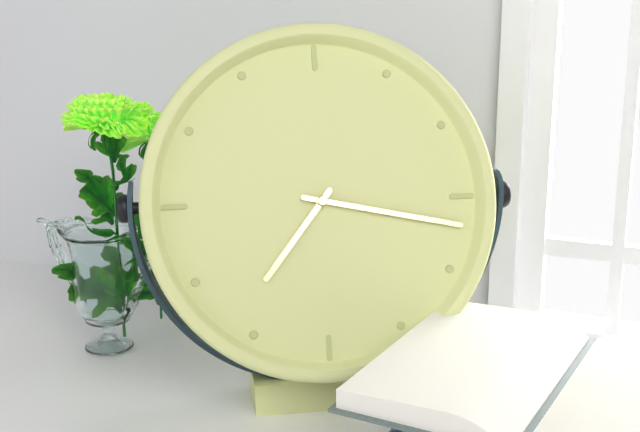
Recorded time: 7:17
